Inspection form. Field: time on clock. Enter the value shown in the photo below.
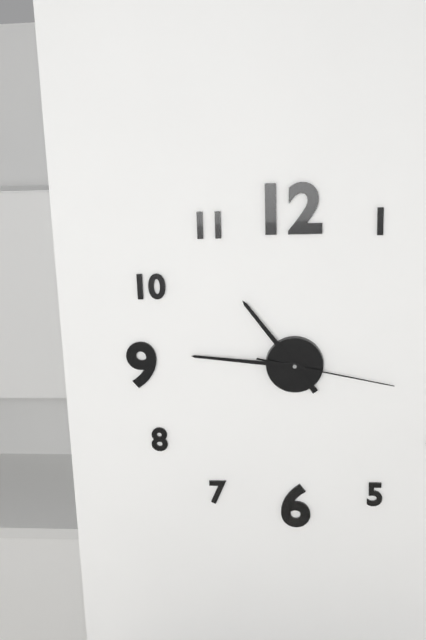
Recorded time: 10:46:17
